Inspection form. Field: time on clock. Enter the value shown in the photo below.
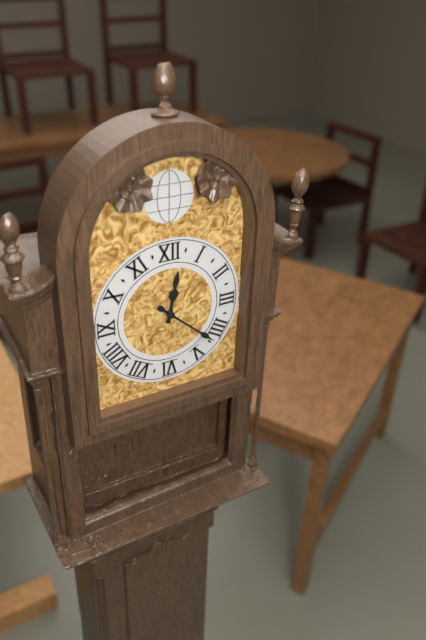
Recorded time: 12:22
